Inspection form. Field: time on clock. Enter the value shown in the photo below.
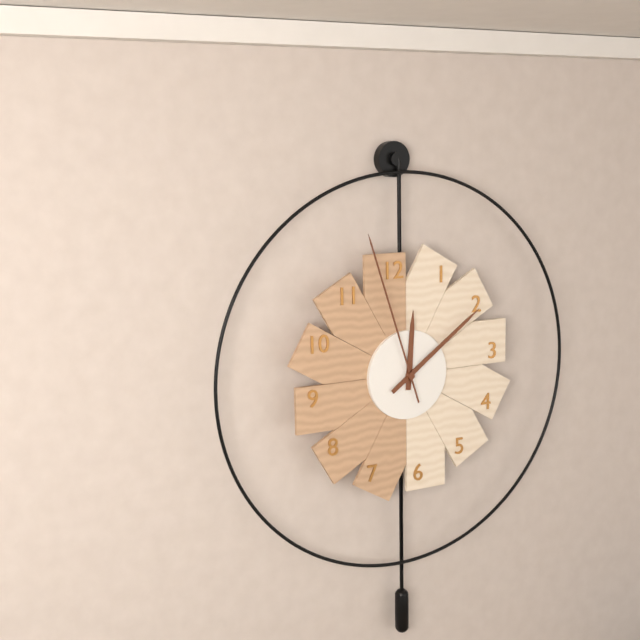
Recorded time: 12:09:57
